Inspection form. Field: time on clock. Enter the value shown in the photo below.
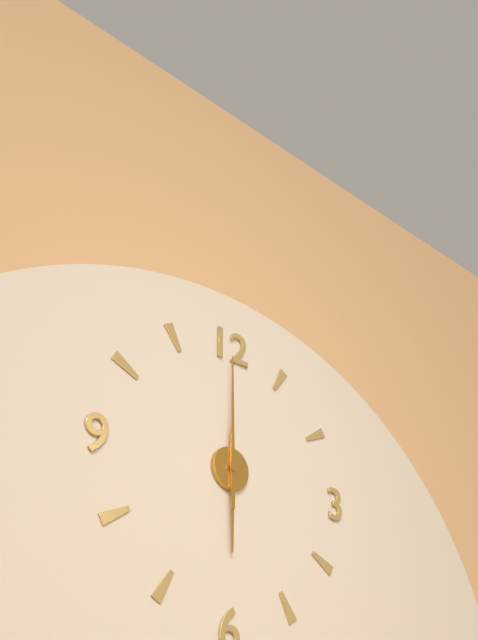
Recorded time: 6:00
